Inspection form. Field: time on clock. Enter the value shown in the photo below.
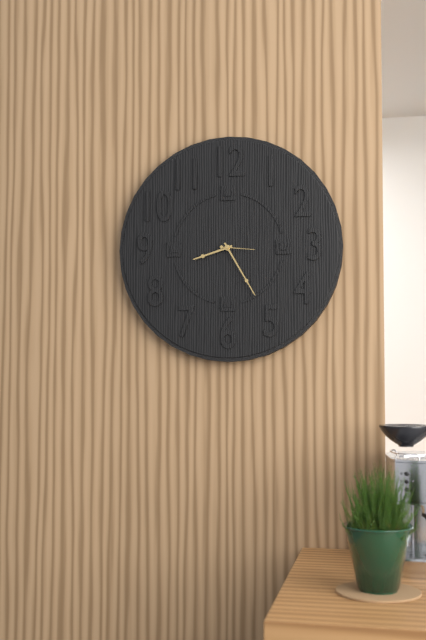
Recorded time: 8:25
